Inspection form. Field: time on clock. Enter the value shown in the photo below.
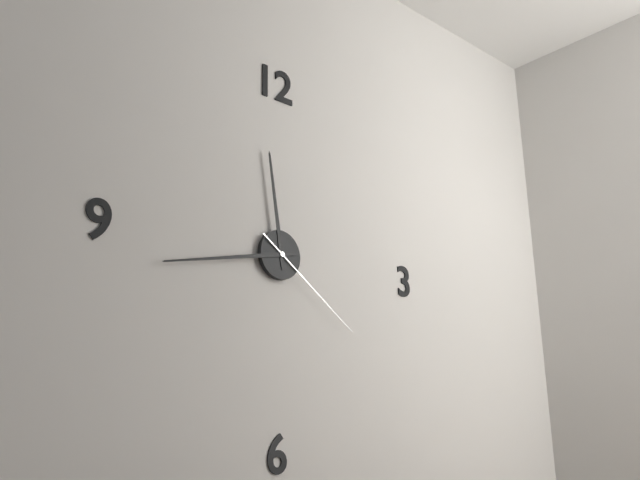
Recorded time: 11:43:21
